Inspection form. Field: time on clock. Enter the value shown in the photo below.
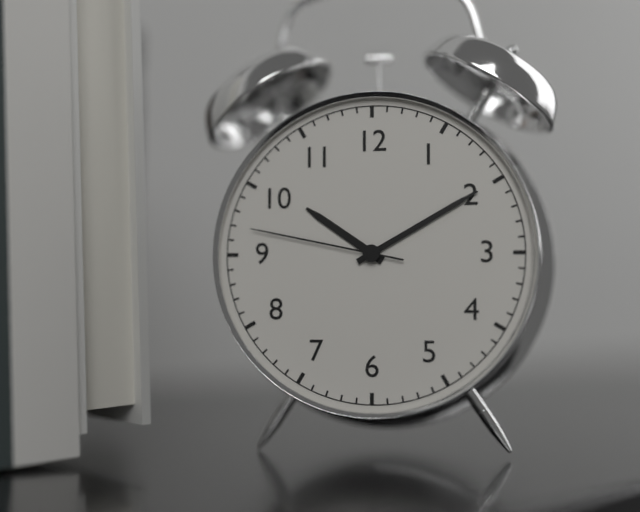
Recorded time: 10:10:47
